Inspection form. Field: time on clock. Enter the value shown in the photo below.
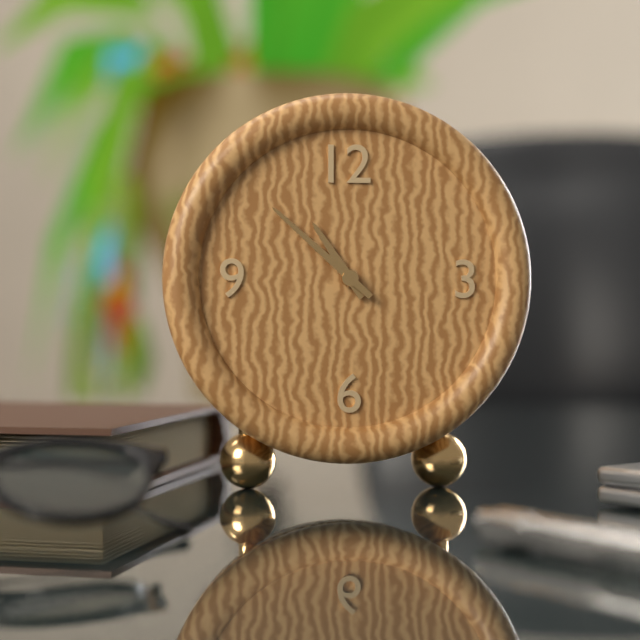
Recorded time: 10:52
